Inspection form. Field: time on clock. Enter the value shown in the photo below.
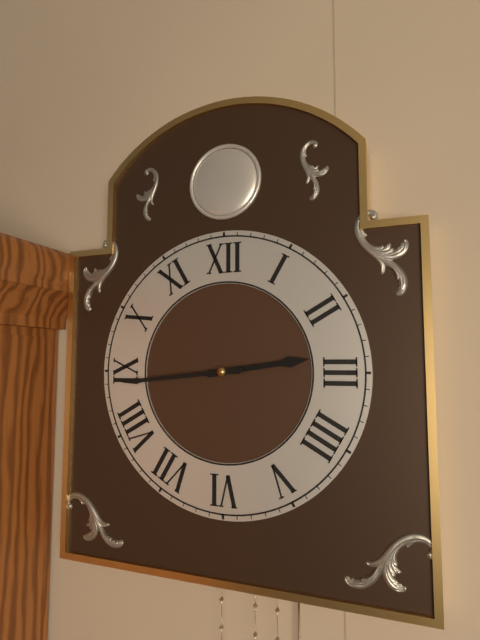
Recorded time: 2:44
